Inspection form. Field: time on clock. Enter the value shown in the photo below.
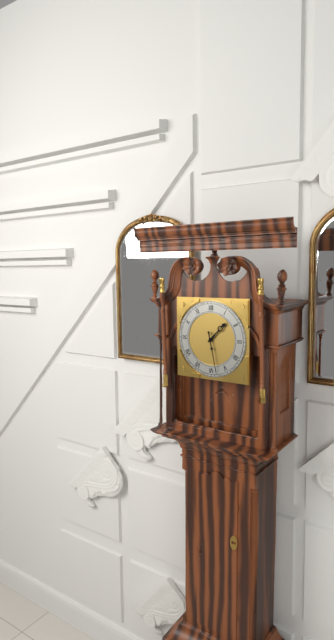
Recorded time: 1:28
